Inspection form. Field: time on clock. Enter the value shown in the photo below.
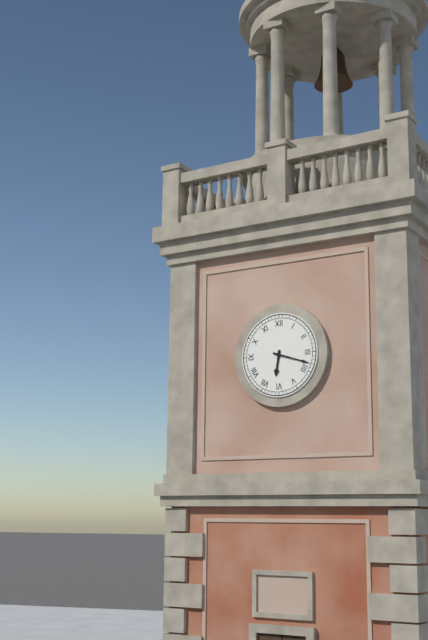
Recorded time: 6:18
